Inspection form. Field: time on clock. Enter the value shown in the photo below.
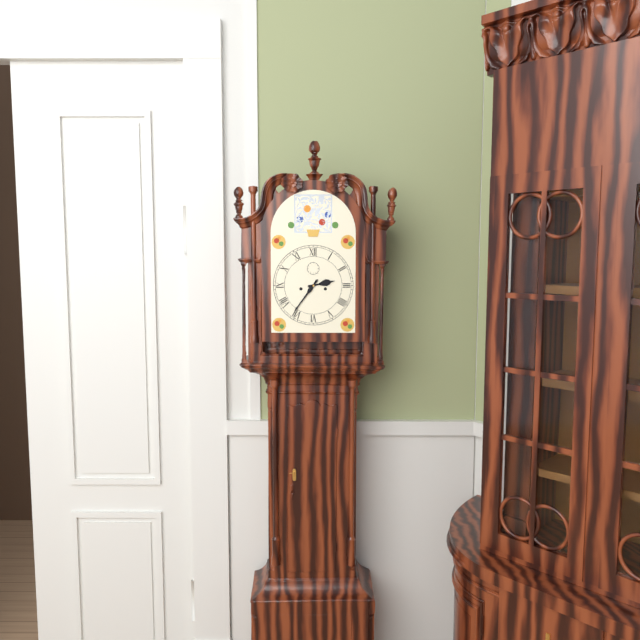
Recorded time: 2:36
